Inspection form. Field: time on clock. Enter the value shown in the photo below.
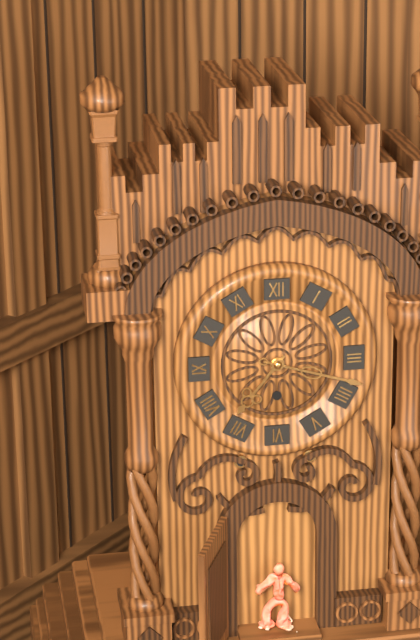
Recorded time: 7:18
